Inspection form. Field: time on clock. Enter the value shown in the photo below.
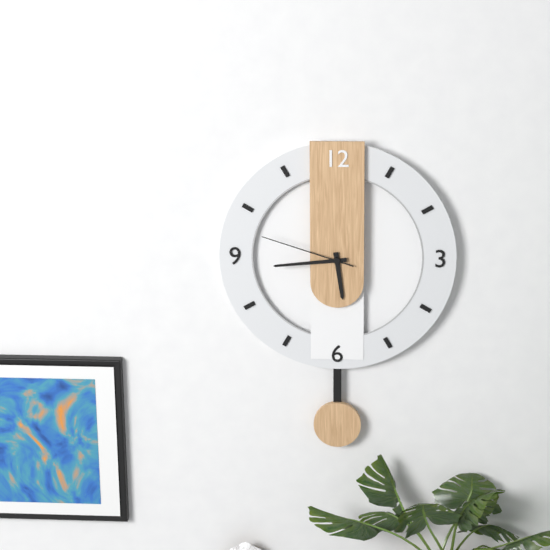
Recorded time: 5:44:48
